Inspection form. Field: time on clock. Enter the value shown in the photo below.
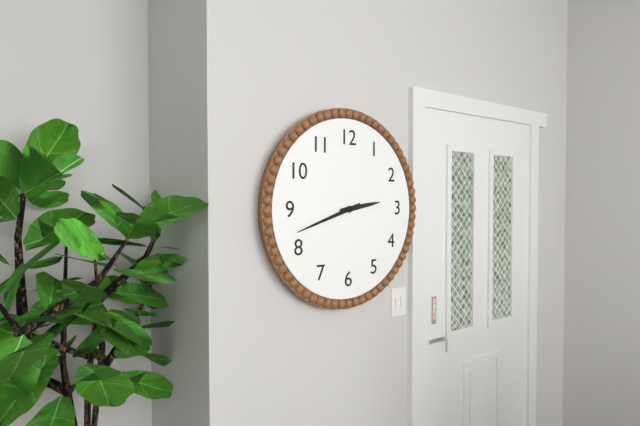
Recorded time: 2:42
